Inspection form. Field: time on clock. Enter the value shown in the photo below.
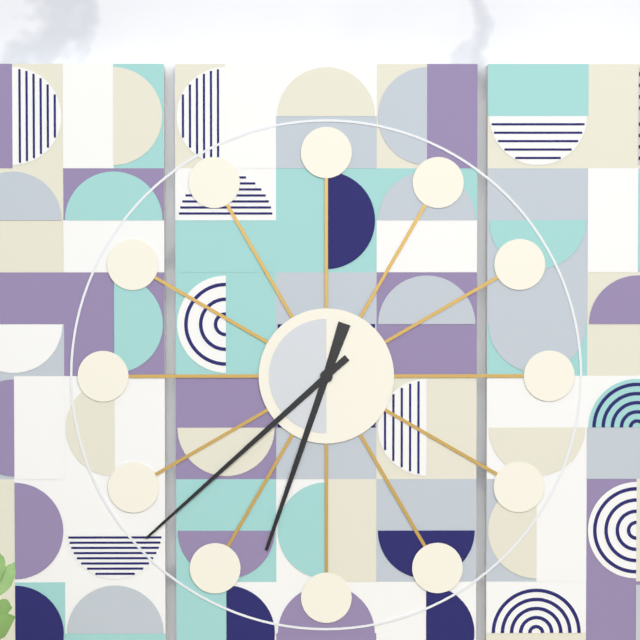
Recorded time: 6:38
